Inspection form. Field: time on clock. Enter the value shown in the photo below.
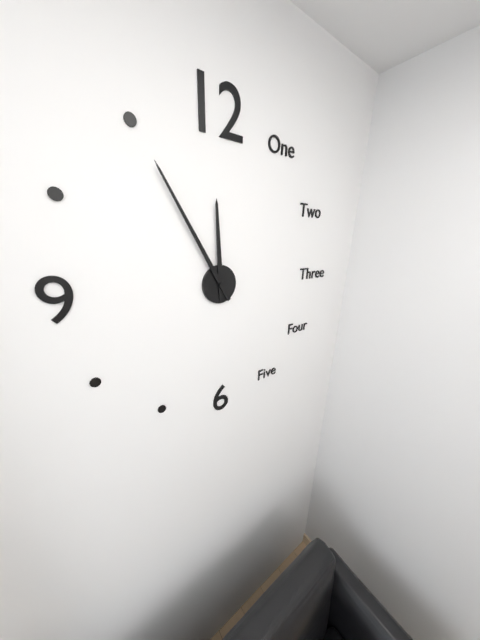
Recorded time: 11:55
